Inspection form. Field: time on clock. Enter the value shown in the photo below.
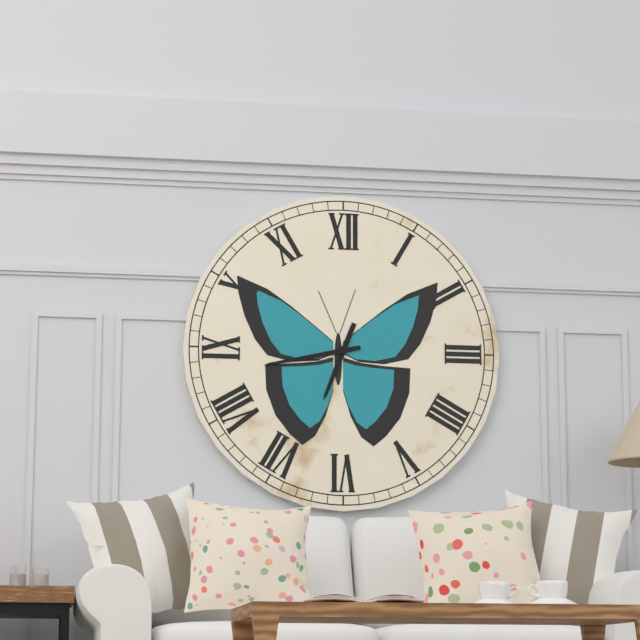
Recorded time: 6:43
